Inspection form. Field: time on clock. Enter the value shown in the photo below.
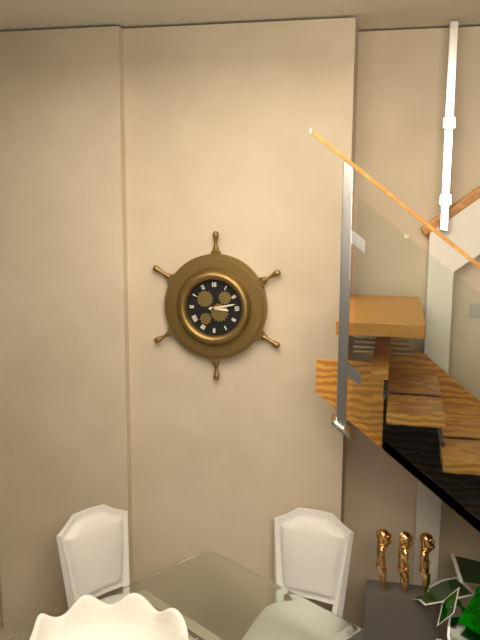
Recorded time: 3:13
